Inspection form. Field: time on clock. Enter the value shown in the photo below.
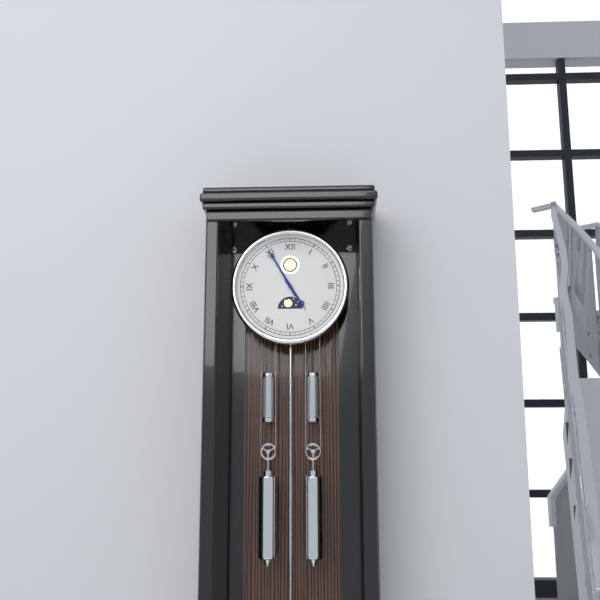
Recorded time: 4:55
